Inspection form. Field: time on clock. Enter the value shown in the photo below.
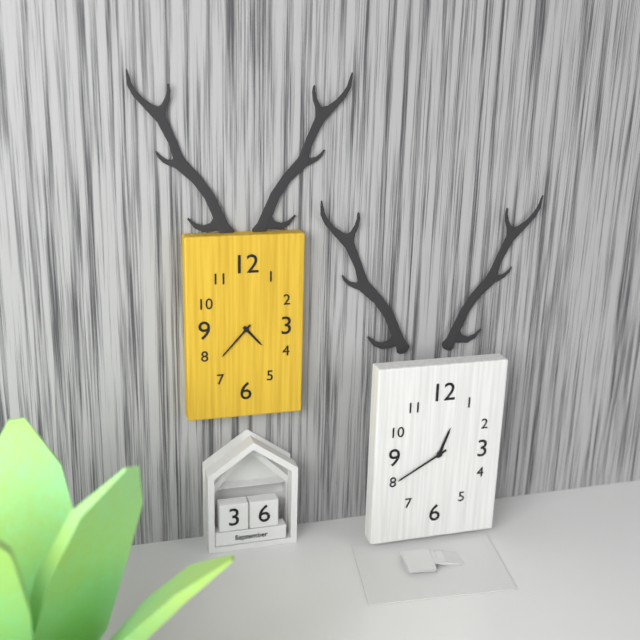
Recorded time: 4:37
